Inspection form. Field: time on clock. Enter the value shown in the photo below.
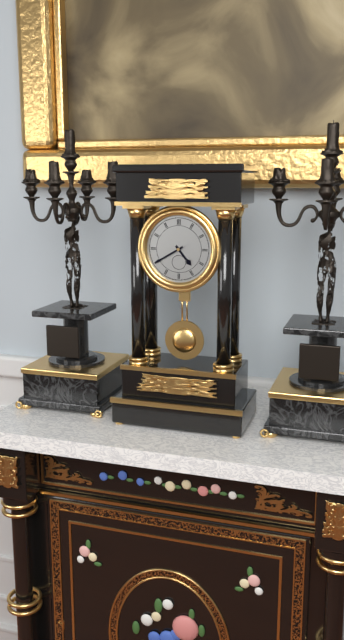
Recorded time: 4:40
